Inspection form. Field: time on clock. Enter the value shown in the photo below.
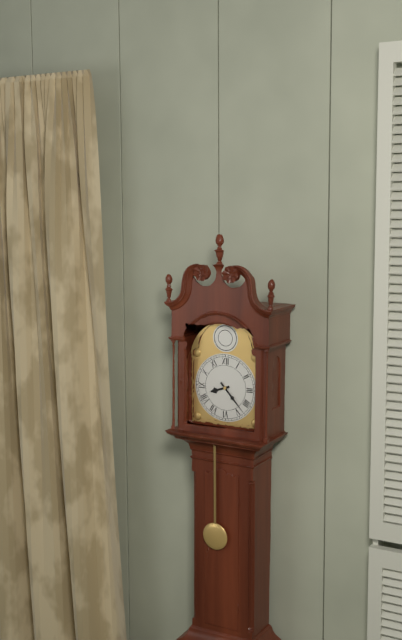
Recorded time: 8:23
